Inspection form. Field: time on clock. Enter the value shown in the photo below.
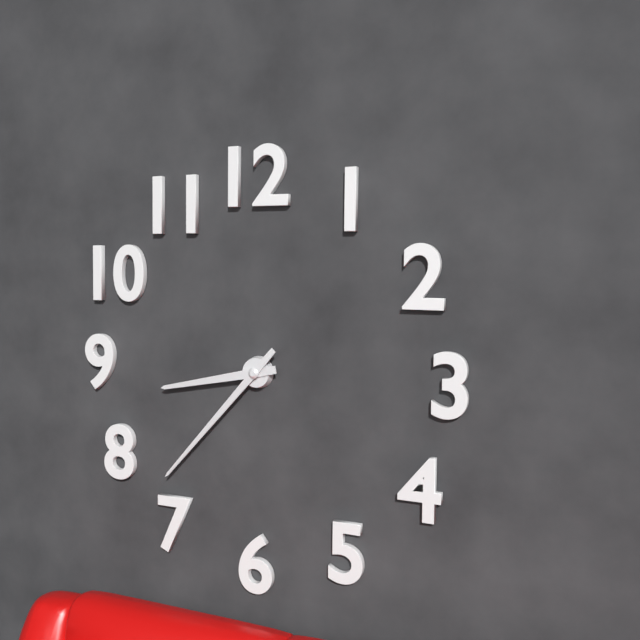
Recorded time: 8:37
